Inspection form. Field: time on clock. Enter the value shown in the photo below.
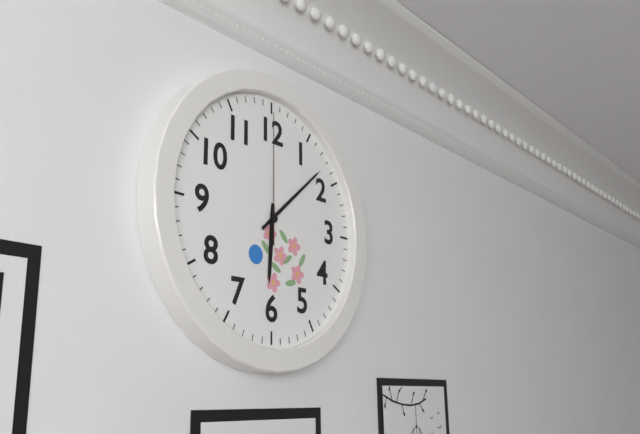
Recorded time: 6:08:00
